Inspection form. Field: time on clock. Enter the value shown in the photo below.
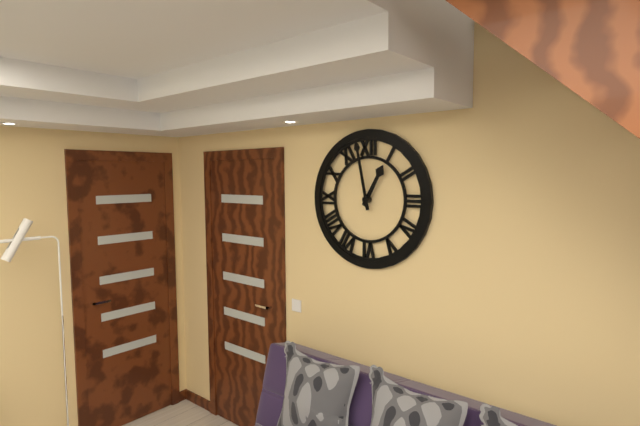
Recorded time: 12:58
